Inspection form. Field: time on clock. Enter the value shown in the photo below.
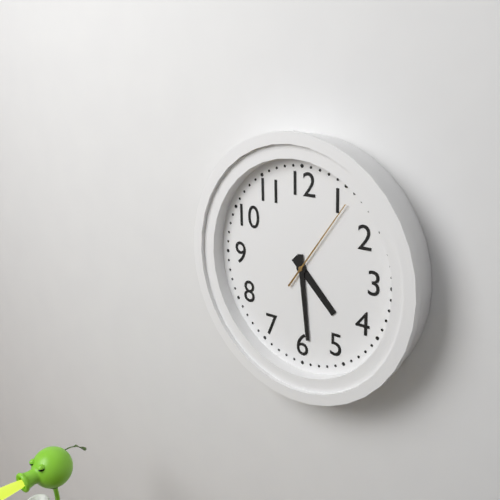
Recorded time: 4:29:06
